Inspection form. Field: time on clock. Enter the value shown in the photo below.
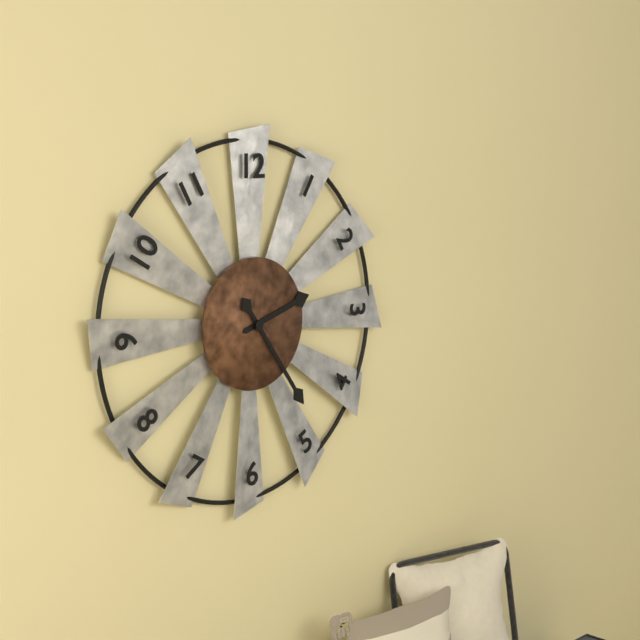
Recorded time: 2:24
